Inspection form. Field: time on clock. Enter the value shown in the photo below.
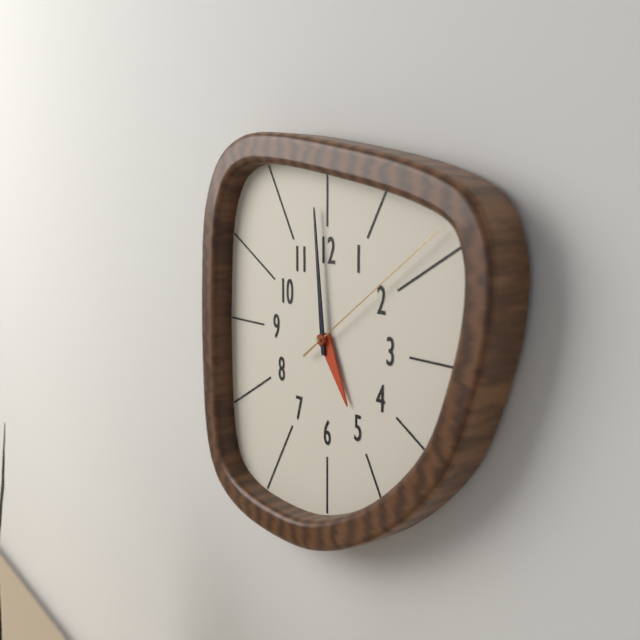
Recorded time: 4:59:09
